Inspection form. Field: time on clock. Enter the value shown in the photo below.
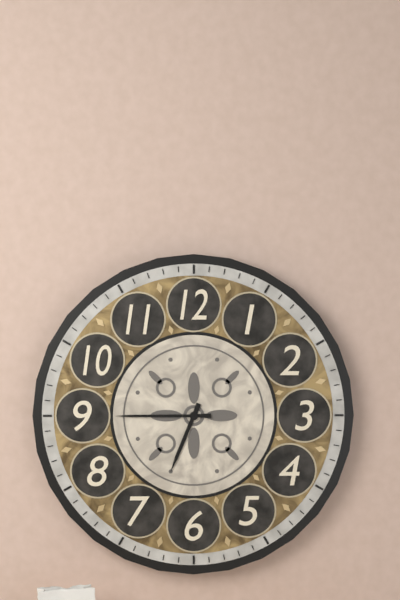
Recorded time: 6:45
